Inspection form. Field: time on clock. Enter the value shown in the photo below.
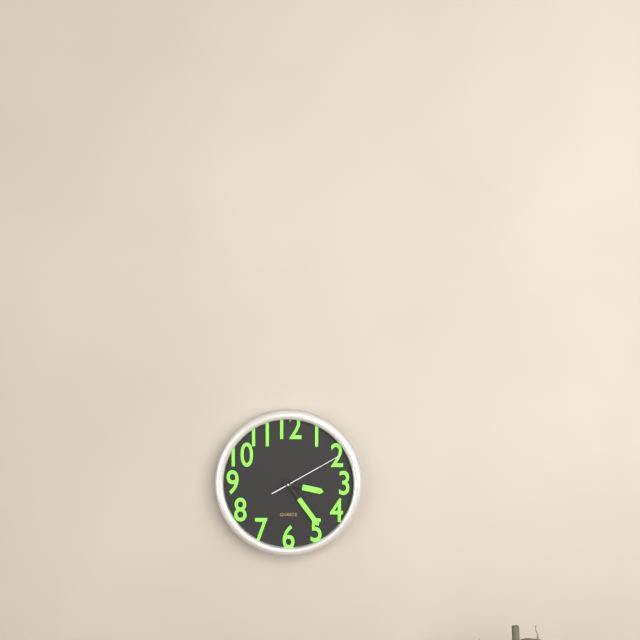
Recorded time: 3:24:10
